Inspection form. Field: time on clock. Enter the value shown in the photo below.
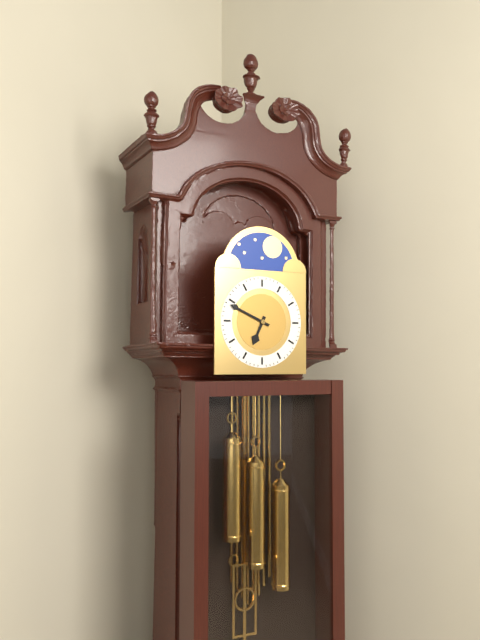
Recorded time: 6:49
